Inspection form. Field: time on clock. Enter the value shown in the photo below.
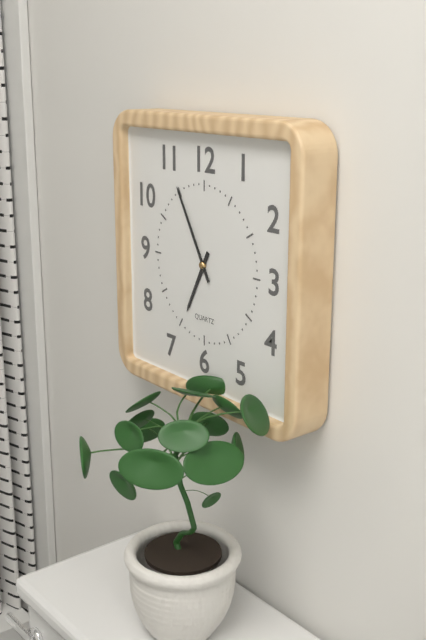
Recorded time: 6:55
